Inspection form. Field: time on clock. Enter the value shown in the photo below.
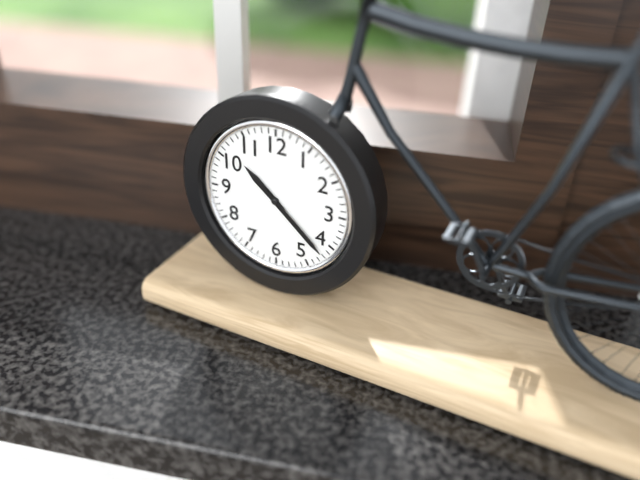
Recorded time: 10:22
